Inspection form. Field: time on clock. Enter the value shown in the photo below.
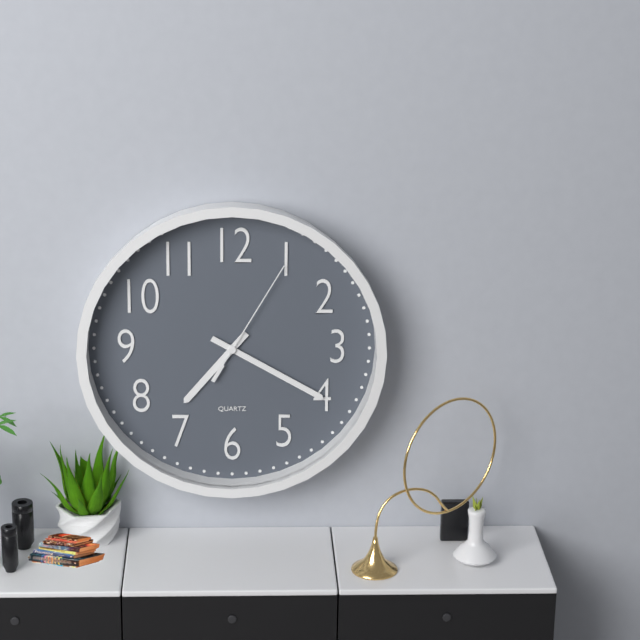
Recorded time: 7:20:05
